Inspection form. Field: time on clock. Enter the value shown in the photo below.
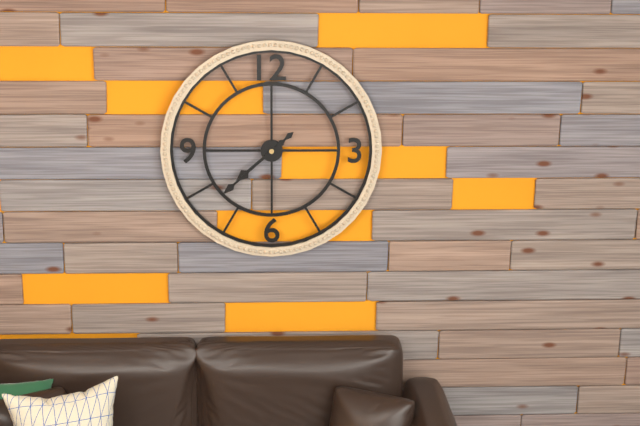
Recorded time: 7:38
